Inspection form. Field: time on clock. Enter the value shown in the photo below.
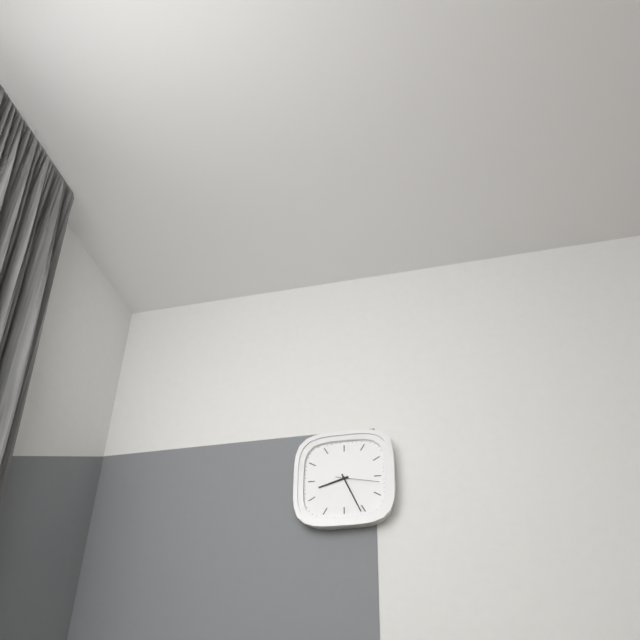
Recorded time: 8:26
